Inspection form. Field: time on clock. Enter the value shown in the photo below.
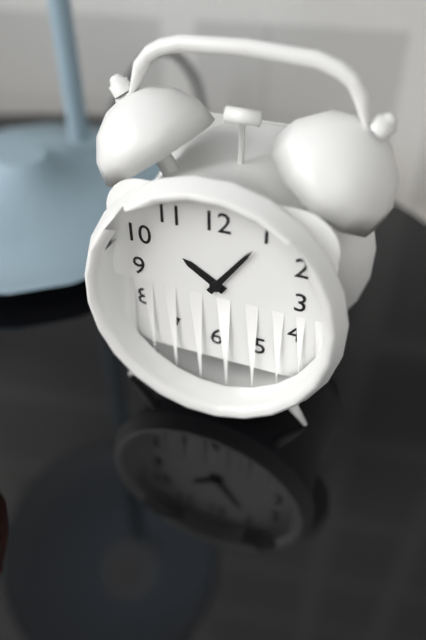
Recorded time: 10:06
